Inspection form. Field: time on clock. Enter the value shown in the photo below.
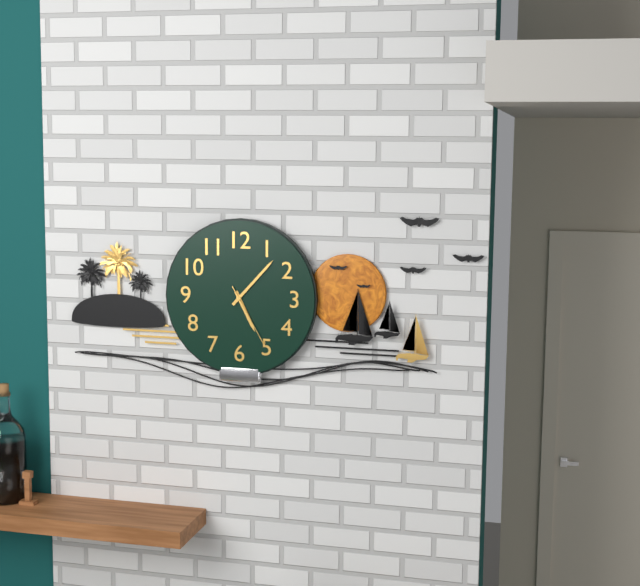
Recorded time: 5:07:25
